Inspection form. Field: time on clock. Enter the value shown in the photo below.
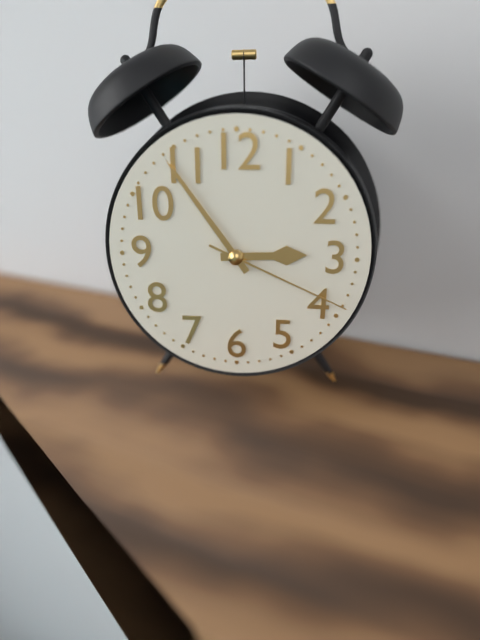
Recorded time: 2:54:19
